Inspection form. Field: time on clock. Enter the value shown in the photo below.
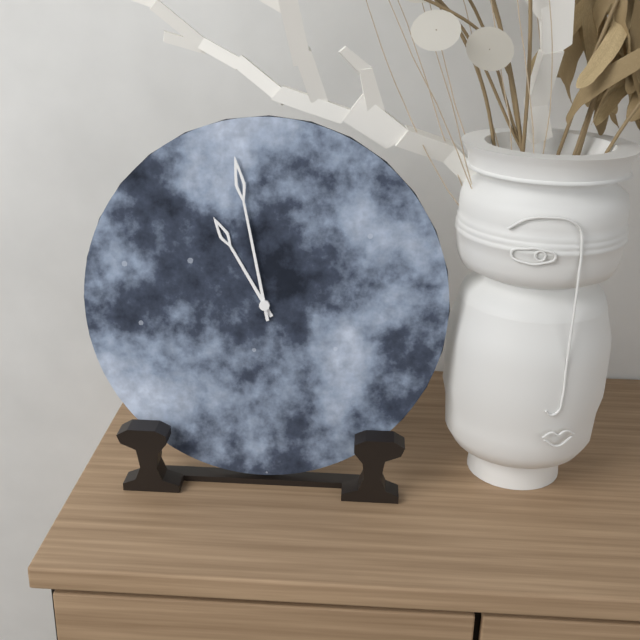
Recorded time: 10:58
